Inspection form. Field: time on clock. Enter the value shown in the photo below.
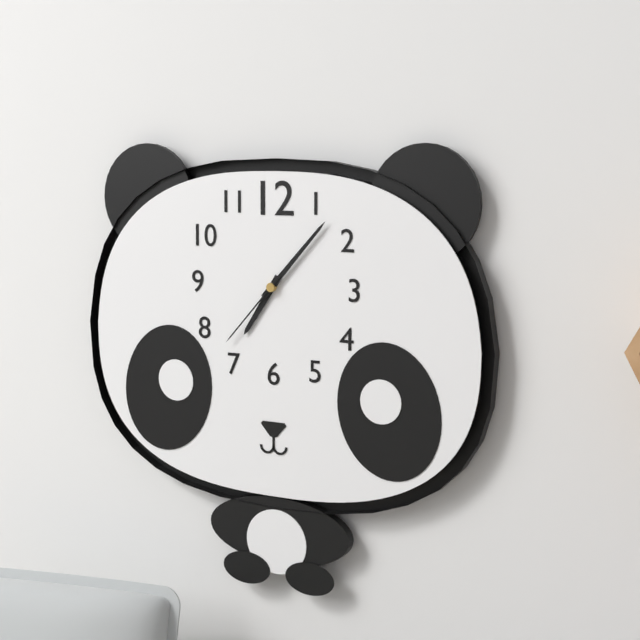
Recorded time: 7:07:37
